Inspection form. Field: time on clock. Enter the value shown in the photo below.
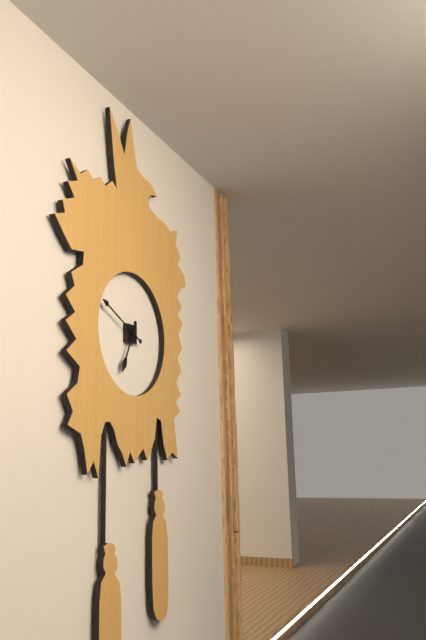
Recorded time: 6:49
